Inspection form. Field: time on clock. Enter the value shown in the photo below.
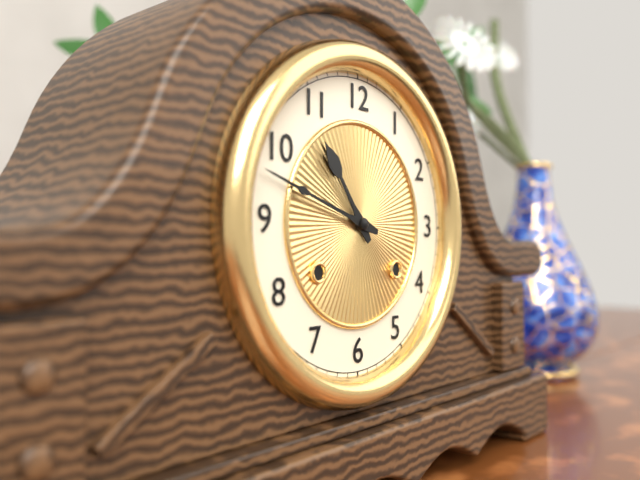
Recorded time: 10:48
